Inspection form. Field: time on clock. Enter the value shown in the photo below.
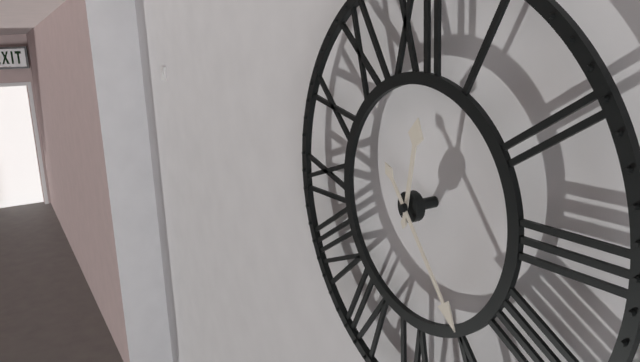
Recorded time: 12:24
